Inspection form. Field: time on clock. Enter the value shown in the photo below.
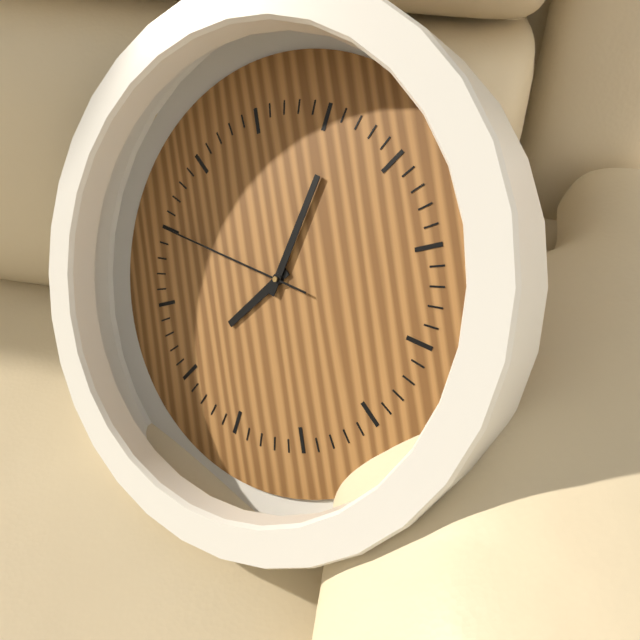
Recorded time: 8:06:50
